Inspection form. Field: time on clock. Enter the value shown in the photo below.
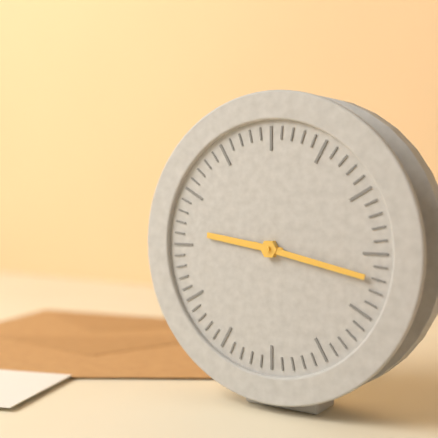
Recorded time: 9:17
